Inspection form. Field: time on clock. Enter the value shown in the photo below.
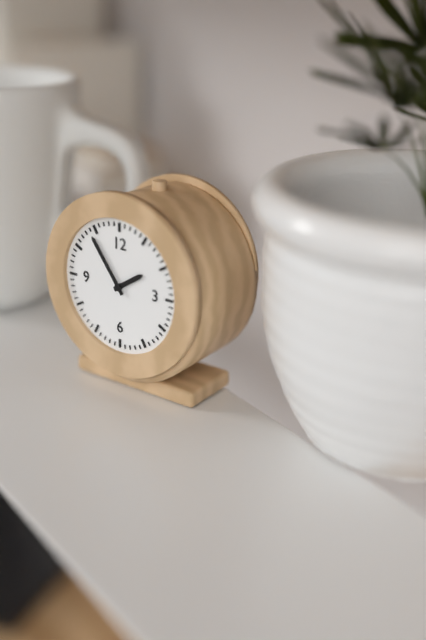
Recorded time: 1:54
